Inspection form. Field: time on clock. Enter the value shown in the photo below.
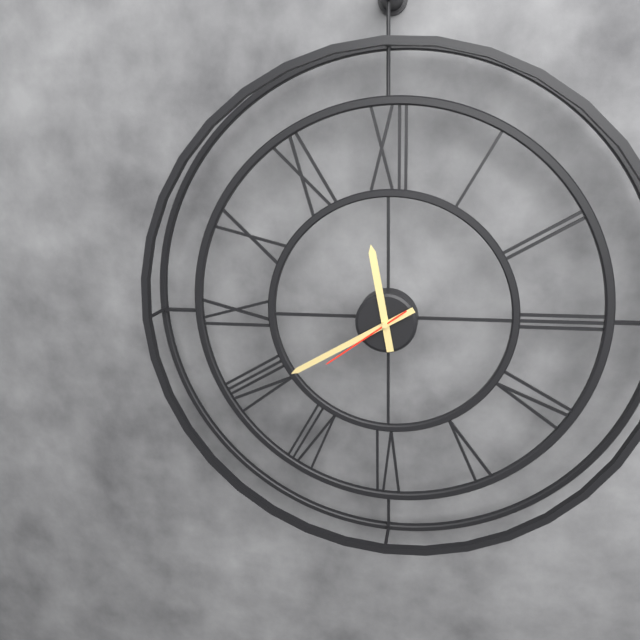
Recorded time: 11:40:39
